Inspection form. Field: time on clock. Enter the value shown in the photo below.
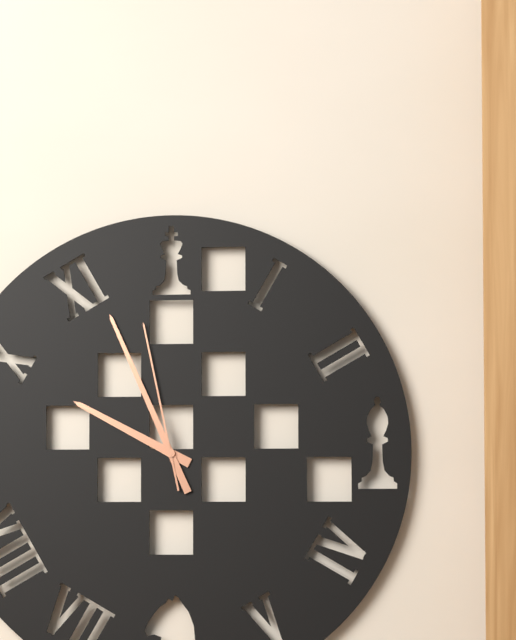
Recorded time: 9:56:58
